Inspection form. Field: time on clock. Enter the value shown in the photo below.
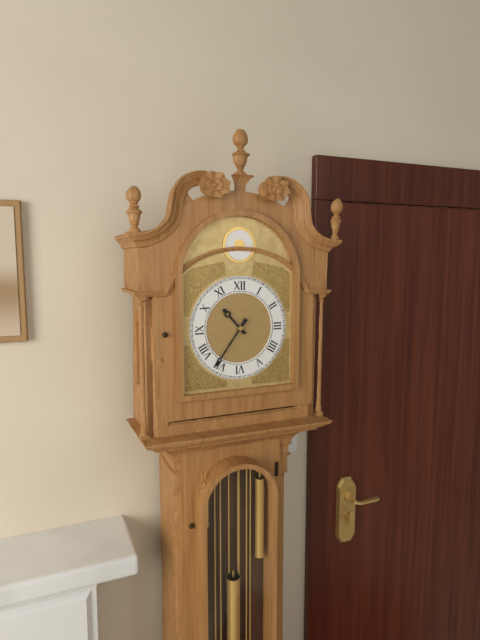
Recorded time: 10:36
